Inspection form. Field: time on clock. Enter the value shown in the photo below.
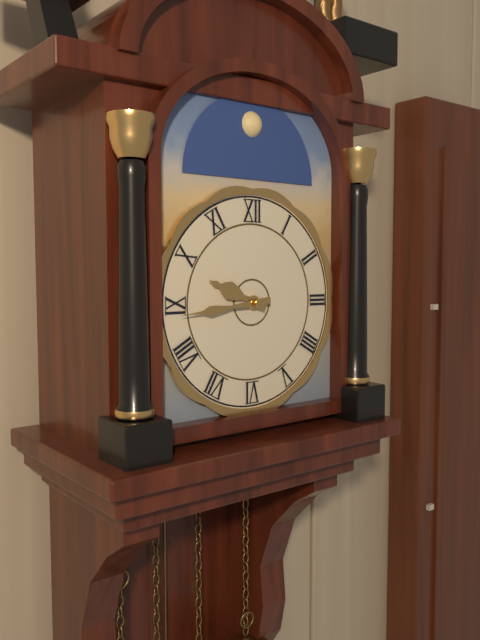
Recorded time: 9:44
